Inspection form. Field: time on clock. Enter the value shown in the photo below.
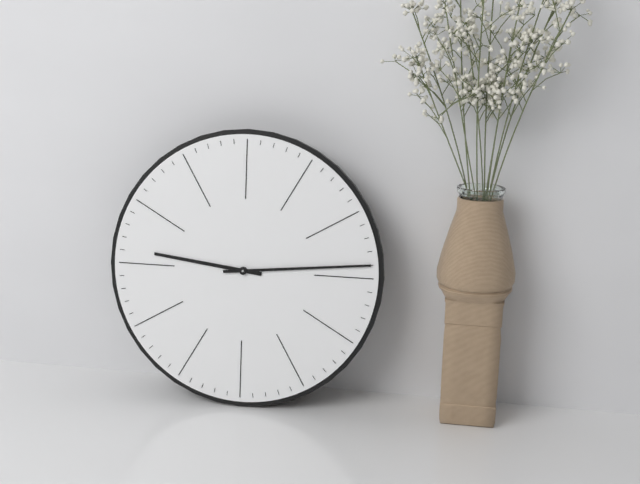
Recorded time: 9:14
